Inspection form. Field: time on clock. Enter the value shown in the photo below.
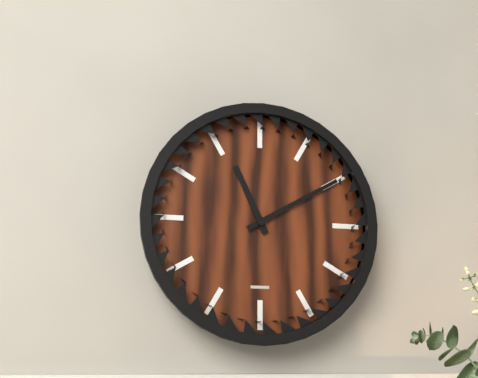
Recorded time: 11:10
